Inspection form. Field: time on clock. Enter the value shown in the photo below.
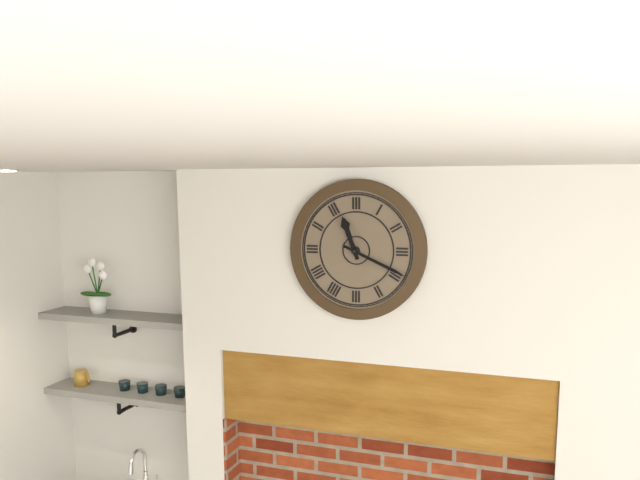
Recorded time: 11:19
